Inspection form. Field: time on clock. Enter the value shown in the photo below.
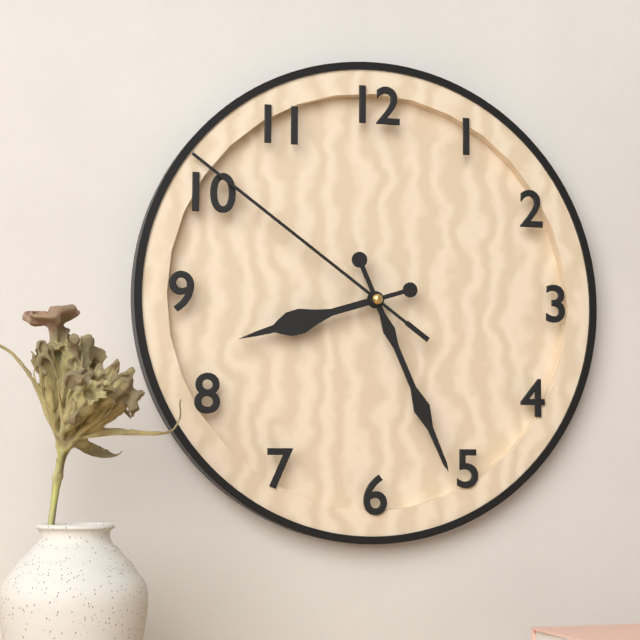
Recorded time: 8:26:51
